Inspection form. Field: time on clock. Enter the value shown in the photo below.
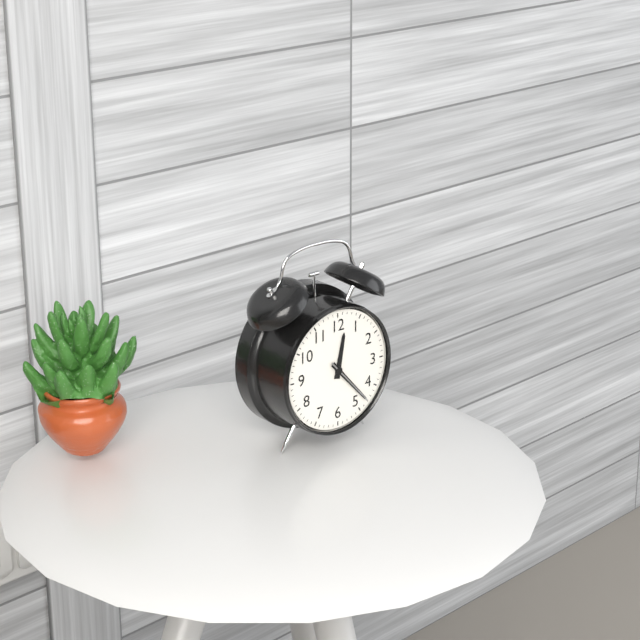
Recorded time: 12:23:23
